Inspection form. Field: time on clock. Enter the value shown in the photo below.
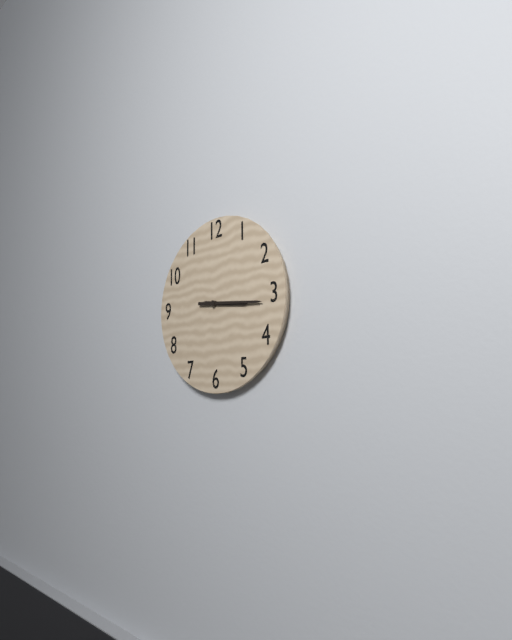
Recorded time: 3:16
